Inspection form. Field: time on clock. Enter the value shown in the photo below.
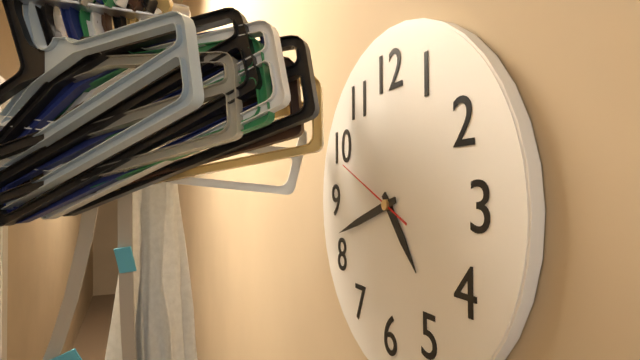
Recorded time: 4:42:49
